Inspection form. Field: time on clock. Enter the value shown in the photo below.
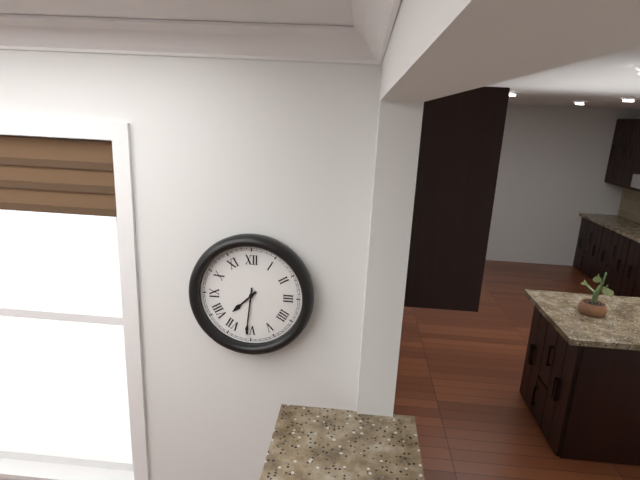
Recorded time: 7:31
